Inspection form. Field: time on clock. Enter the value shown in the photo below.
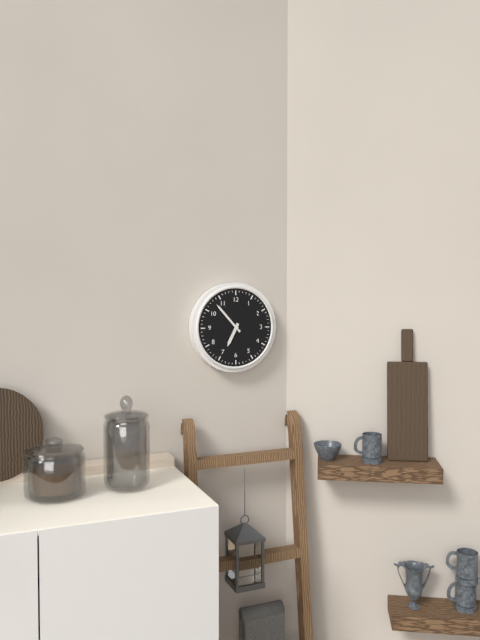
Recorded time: 6:53
